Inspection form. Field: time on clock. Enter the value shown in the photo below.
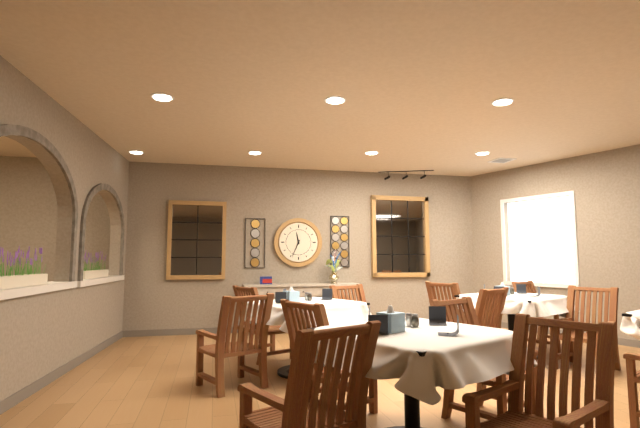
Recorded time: 11:34
